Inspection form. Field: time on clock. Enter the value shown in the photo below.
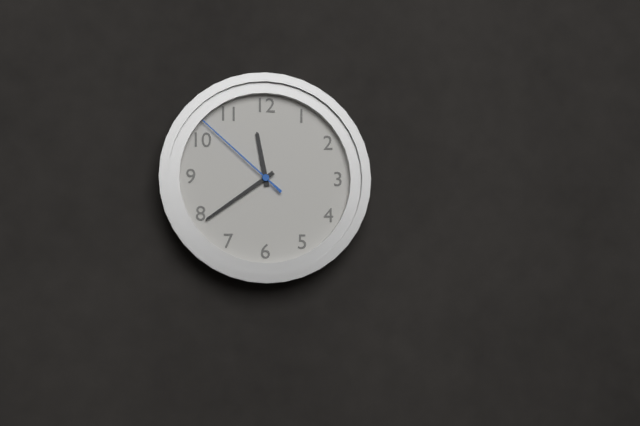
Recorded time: 11:39:52
